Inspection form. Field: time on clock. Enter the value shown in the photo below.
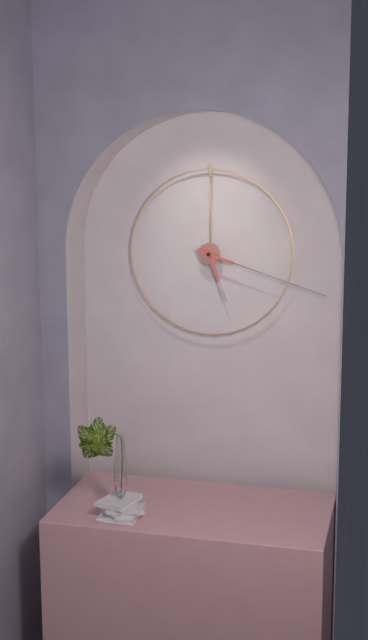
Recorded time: 5:18
